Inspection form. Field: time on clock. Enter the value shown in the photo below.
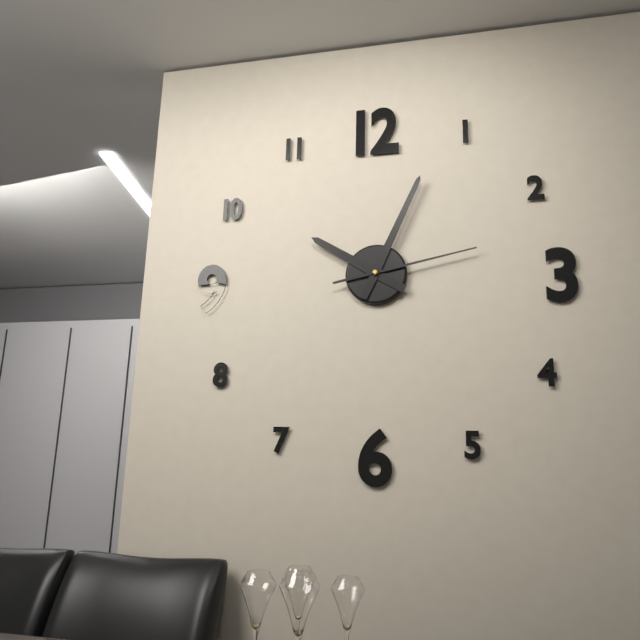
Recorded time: 10:04:13
